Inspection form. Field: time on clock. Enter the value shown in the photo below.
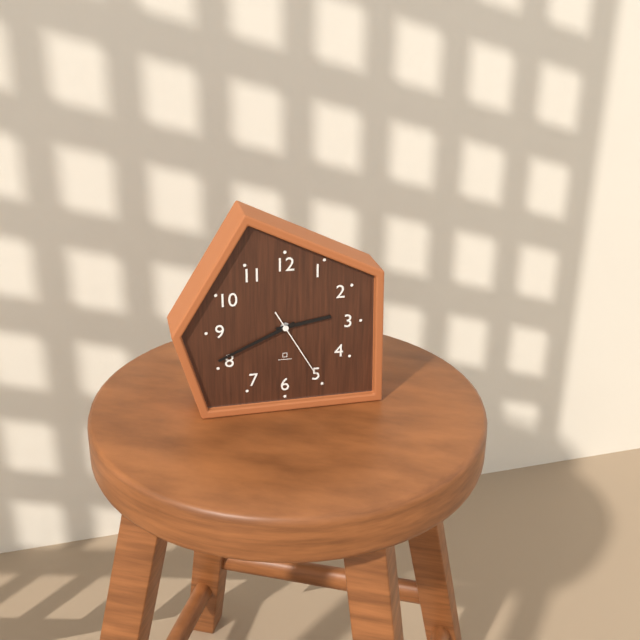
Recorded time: 2:41:25
